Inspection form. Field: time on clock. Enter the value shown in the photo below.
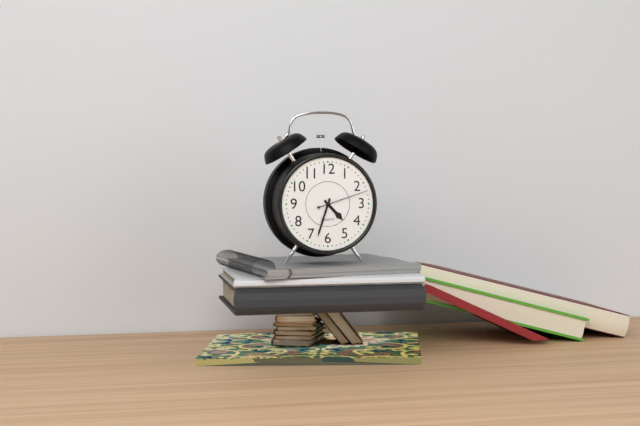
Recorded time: 4:33:12
